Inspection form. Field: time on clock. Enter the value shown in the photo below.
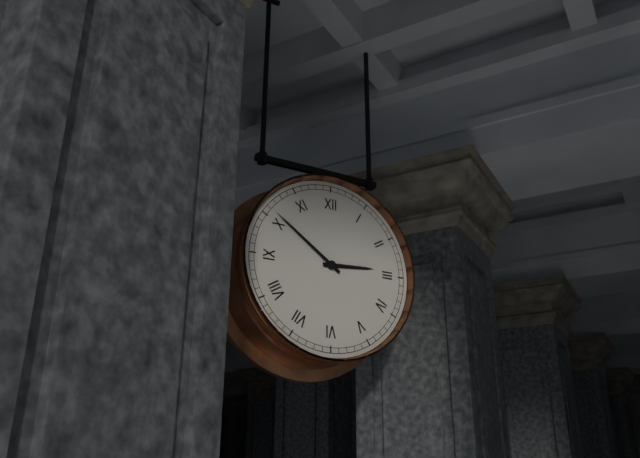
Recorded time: 2:51
